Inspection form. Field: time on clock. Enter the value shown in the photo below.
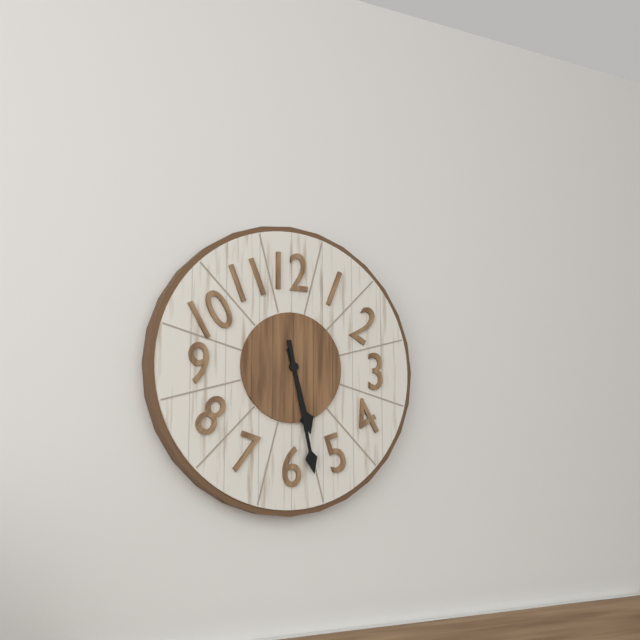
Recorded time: 5:28
